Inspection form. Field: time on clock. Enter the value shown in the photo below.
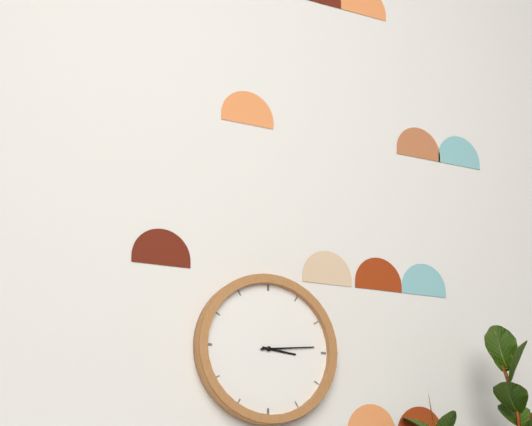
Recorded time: 3:14
